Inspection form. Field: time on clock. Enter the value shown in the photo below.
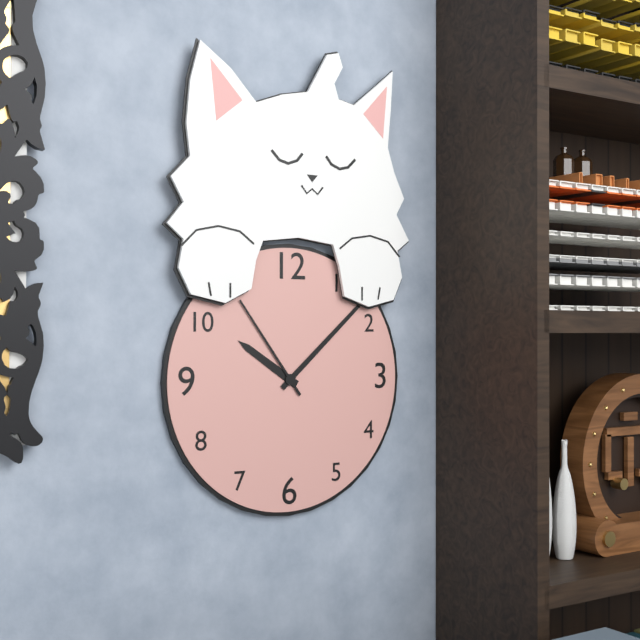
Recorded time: 10:08:54
